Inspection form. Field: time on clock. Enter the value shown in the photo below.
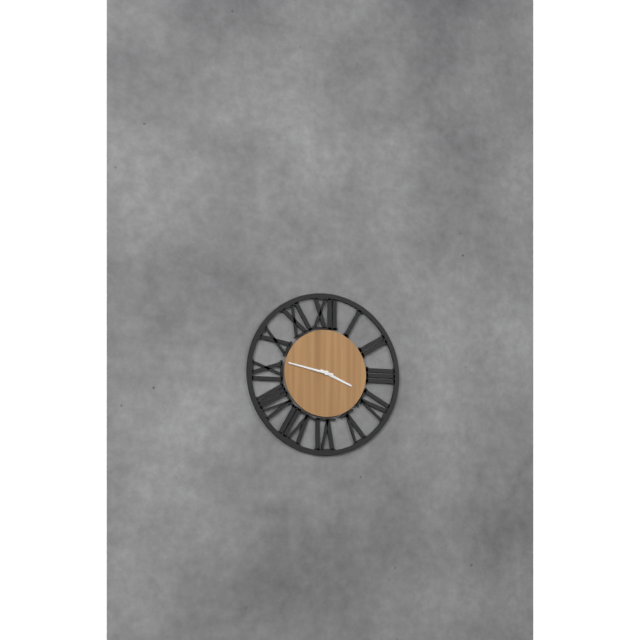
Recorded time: 3:47
